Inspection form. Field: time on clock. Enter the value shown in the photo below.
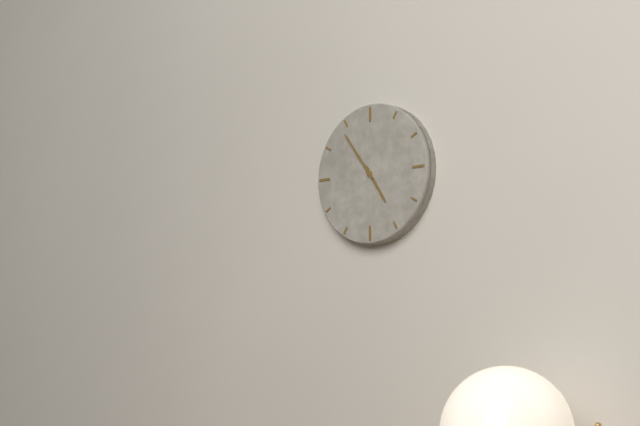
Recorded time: 4:54
